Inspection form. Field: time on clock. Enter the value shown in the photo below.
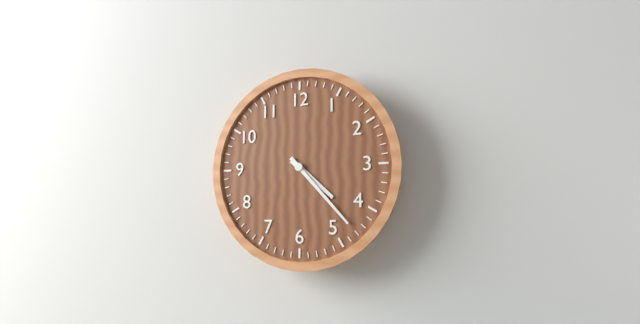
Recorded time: 4:23
